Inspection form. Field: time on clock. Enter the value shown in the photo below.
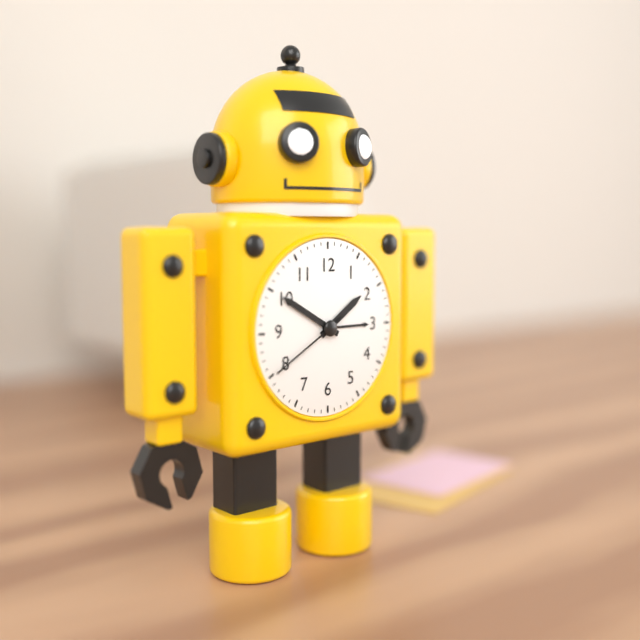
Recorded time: 1:50:40
